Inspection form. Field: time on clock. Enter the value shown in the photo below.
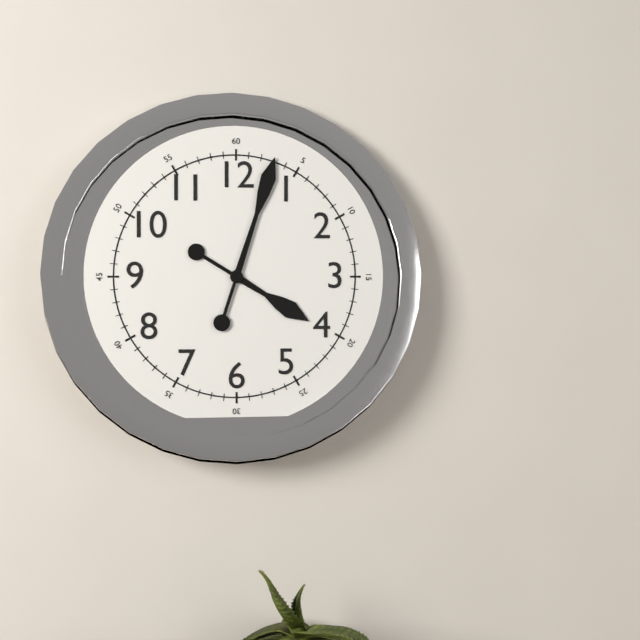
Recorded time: 4:03
